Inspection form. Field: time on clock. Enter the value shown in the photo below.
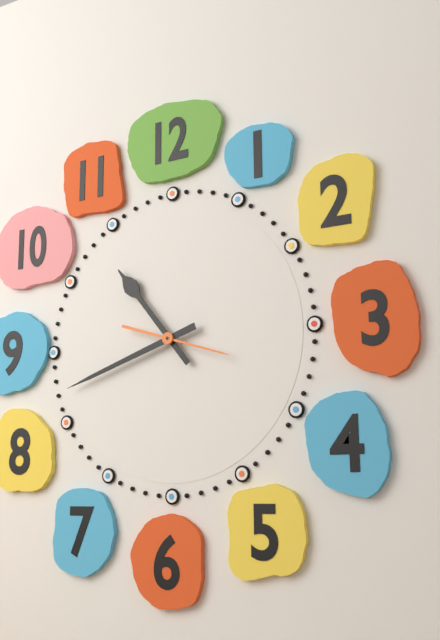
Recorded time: 10:42:18
